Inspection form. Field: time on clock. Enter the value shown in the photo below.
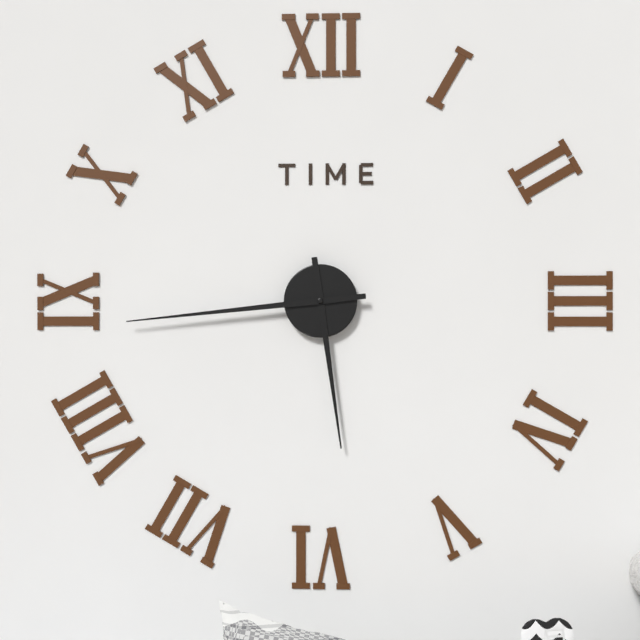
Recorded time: 5:44
